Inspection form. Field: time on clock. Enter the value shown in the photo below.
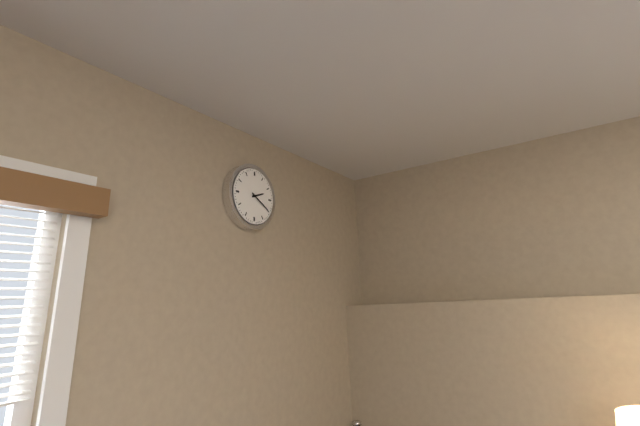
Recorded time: 2:20
